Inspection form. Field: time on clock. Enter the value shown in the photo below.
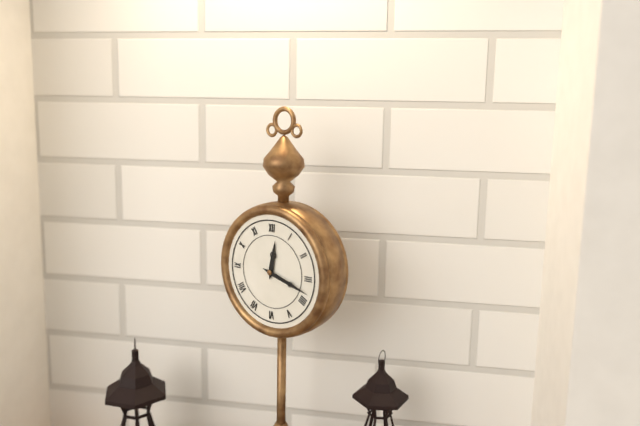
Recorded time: 12:18
